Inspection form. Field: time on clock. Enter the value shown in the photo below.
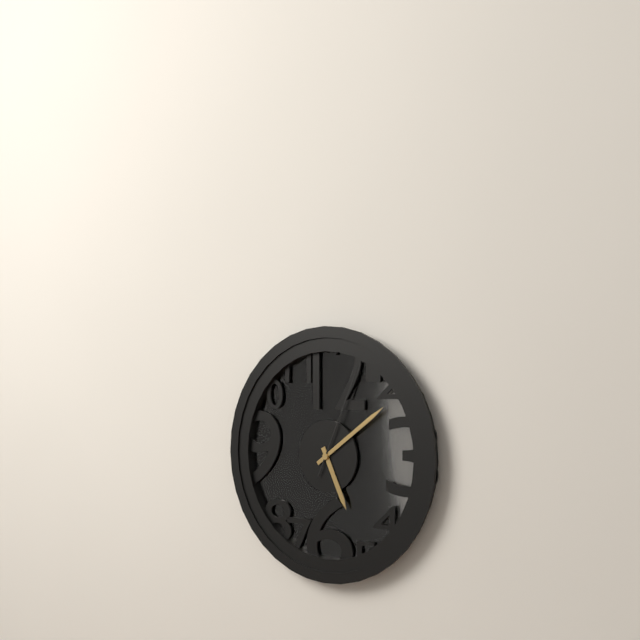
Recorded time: 5:09:04
